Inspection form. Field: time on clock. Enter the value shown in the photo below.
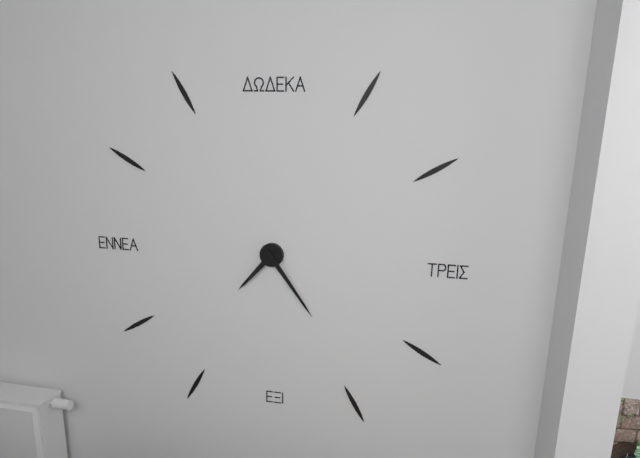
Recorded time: 7:24
